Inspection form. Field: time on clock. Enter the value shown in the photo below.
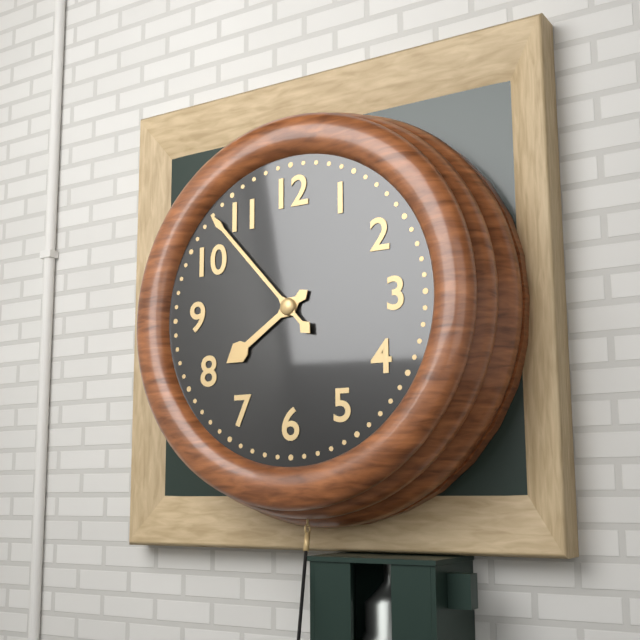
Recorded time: 7:53
